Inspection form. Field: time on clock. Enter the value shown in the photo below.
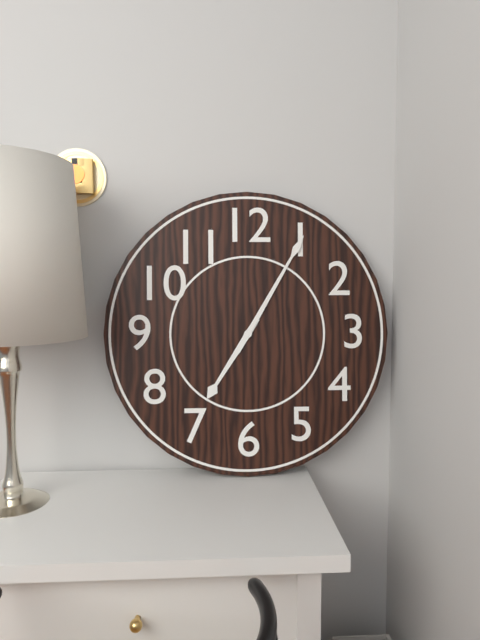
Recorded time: 7:05
